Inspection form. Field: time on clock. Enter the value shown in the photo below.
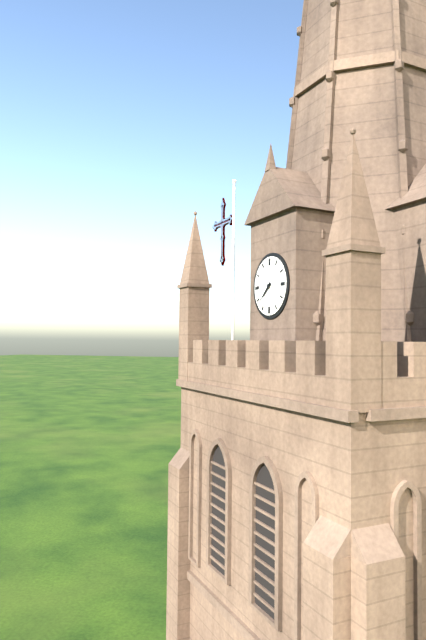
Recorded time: 7:38
